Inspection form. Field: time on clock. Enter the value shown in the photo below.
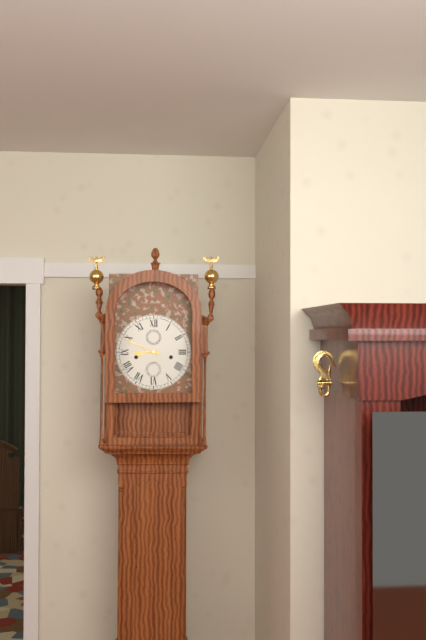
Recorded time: 8:49
